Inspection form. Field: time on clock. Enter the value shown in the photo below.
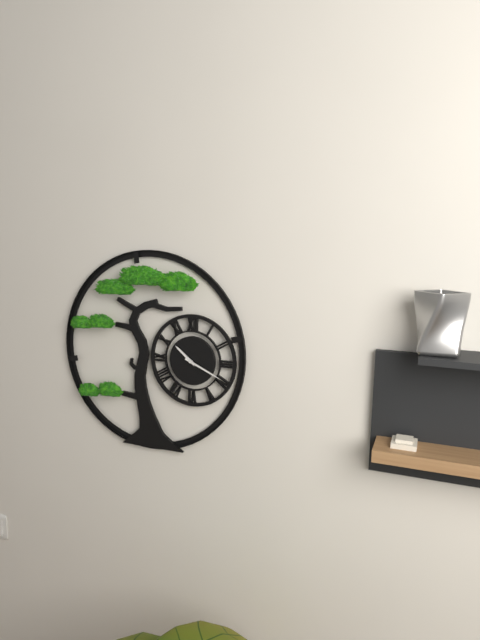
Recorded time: 10:19
